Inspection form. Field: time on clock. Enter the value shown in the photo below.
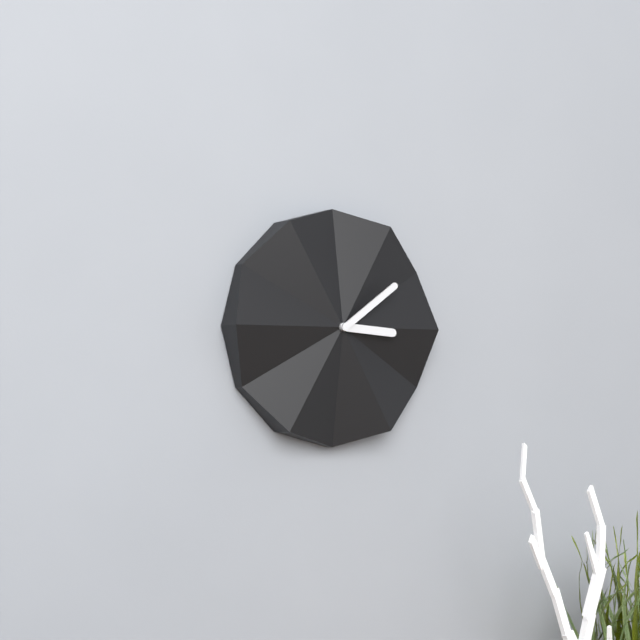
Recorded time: 3:09
